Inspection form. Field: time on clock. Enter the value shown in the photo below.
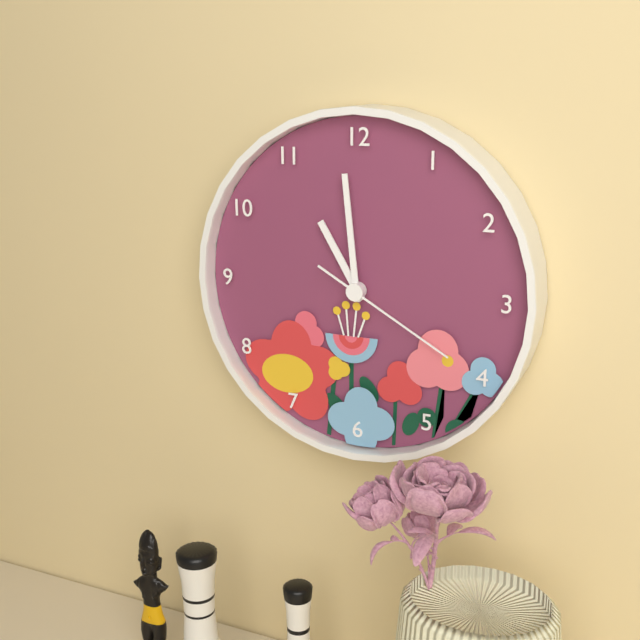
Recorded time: 10:59:20
